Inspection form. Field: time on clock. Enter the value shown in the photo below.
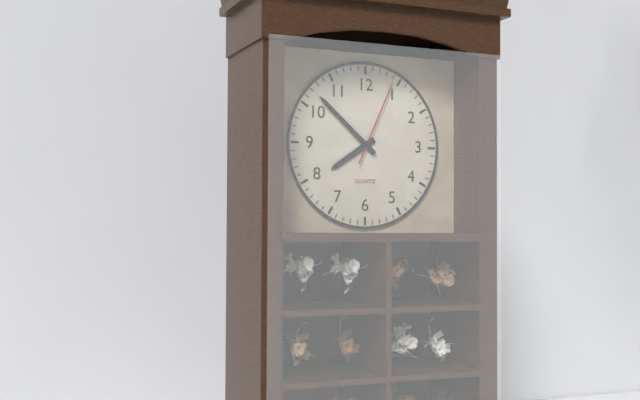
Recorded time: 7:52:04
